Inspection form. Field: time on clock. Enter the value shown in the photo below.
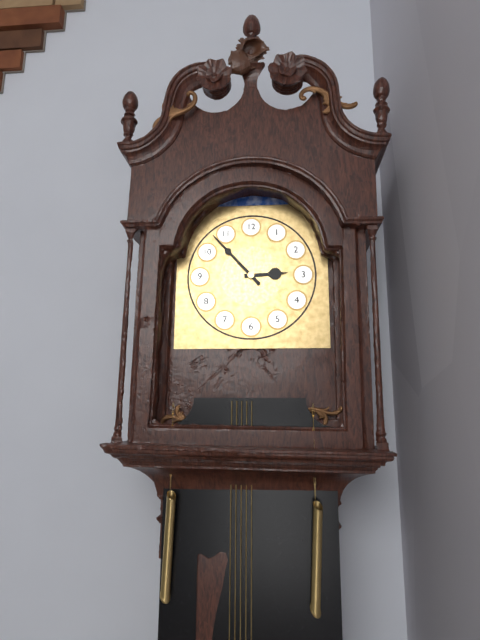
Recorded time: 2:53
